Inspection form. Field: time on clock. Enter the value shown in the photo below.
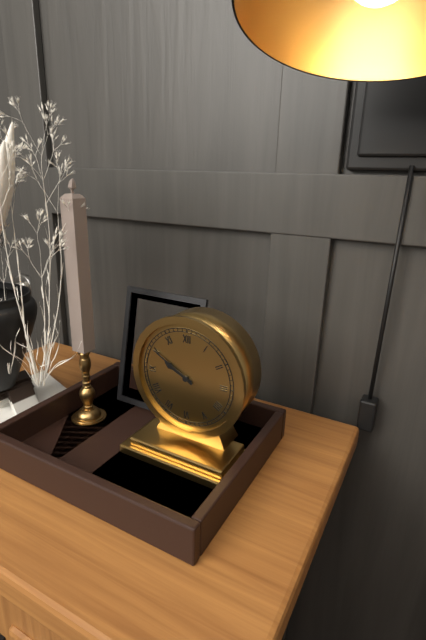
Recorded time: 9:50
